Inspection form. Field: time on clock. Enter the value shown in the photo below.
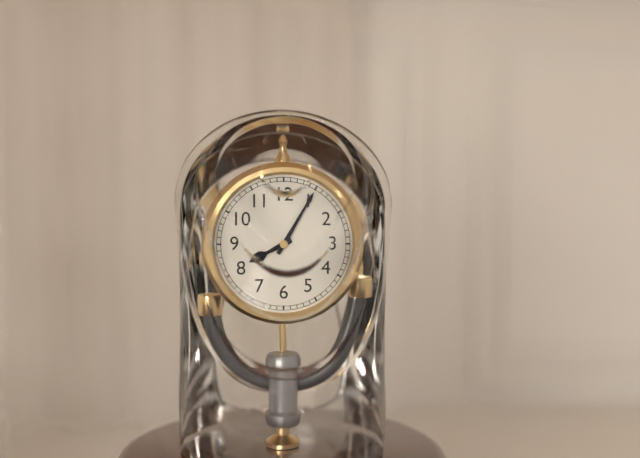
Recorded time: 8:05
